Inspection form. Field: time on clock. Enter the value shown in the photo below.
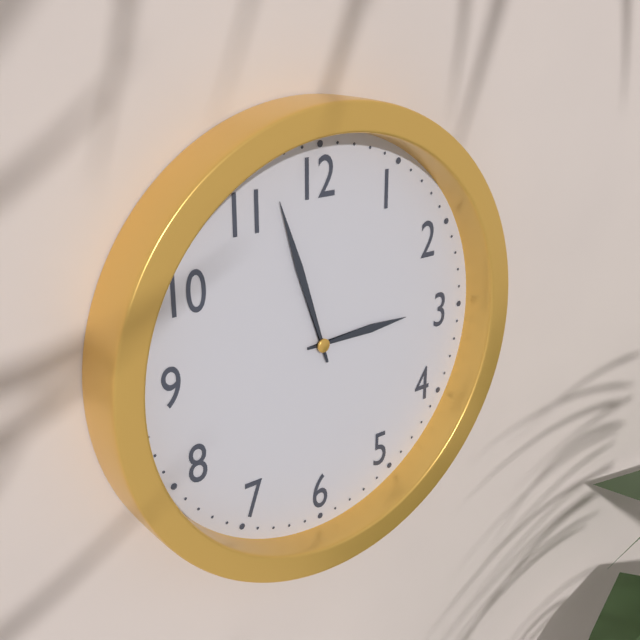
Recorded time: 2:57
